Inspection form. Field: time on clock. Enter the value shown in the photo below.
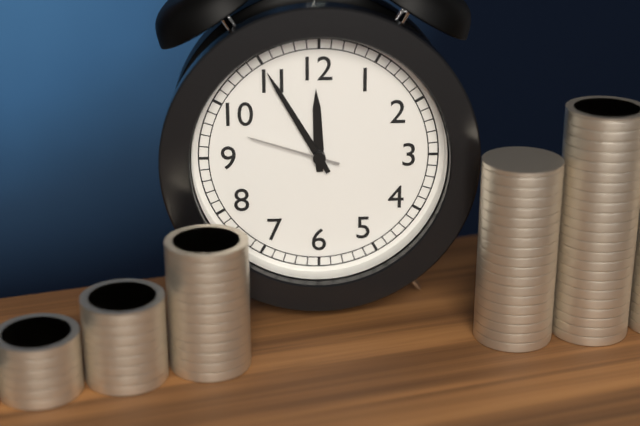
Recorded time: 11:55:48
